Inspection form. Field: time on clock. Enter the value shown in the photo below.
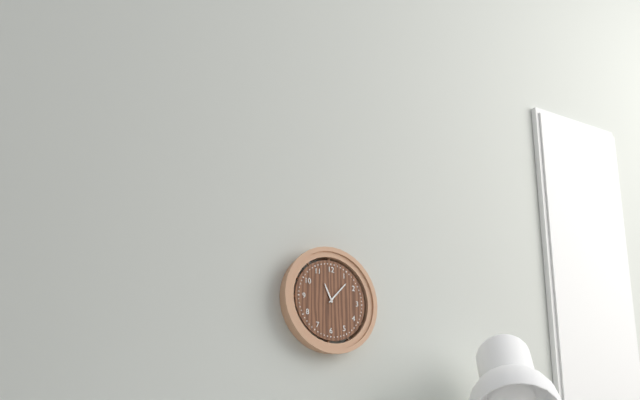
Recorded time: 11:07
